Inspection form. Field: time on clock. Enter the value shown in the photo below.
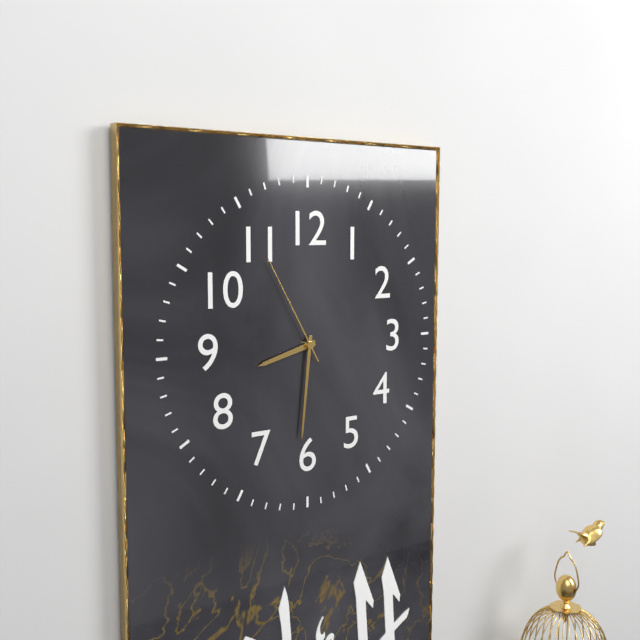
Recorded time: 8:31:55
